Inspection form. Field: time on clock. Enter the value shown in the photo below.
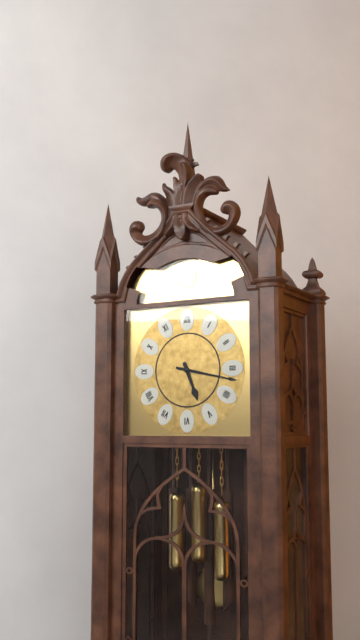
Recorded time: 5:17
